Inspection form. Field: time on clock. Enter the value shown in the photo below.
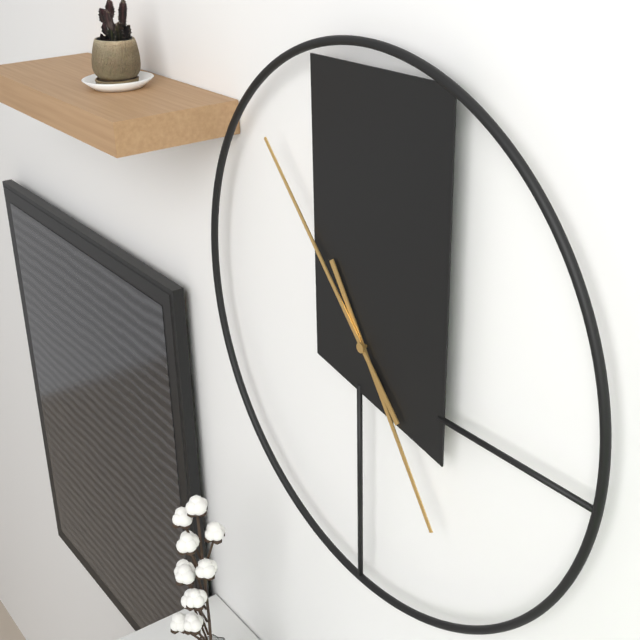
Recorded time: 4:53
